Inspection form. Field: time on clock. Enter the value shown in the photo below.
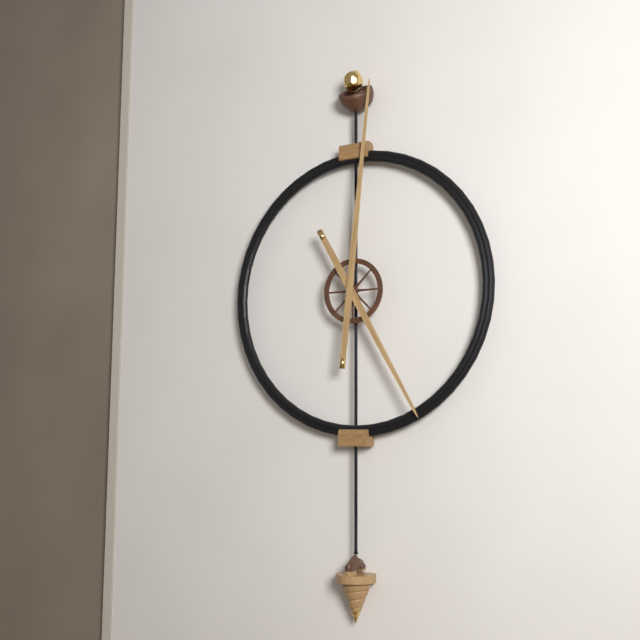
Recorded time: 5:01
